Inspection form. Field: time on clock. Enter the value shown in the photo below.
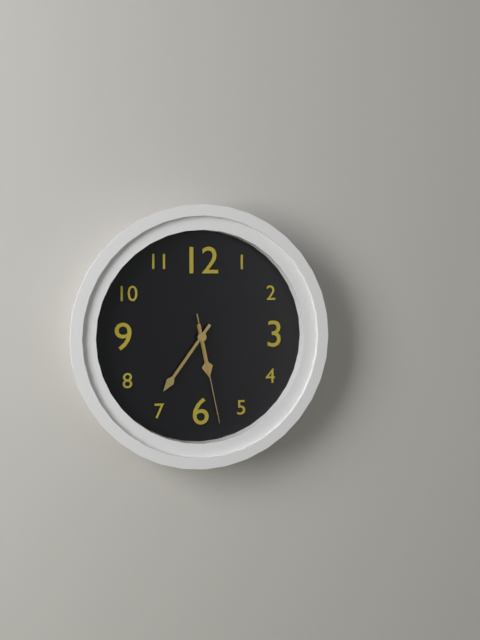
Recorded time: 5:36:28
